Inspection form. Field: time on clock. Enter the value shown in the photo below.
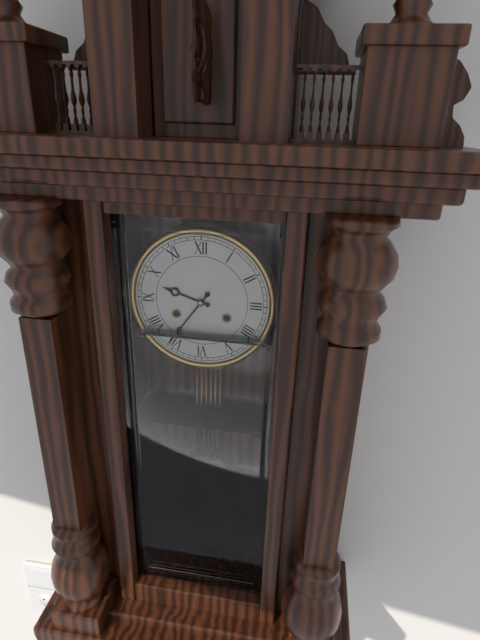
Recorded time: 9:36
